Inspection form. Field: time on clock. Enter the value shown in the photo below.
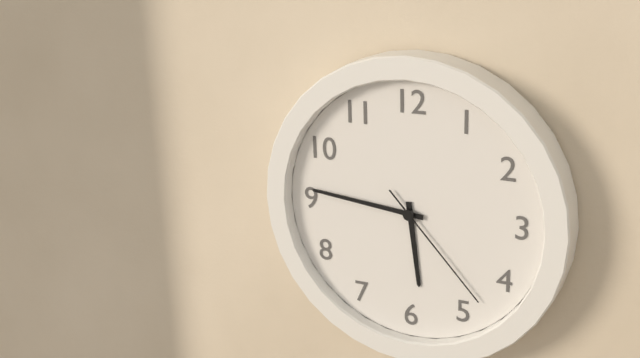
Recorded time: 5:46:23
